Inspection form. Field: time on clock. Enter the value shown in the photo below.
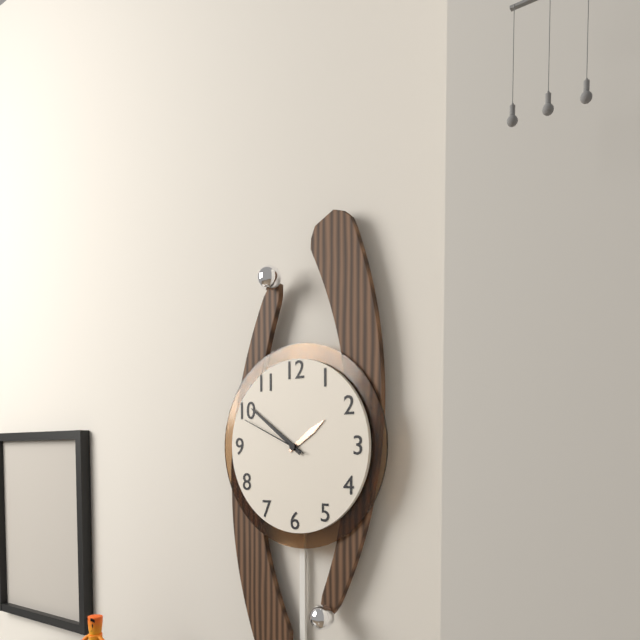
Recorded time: 1:51:49
